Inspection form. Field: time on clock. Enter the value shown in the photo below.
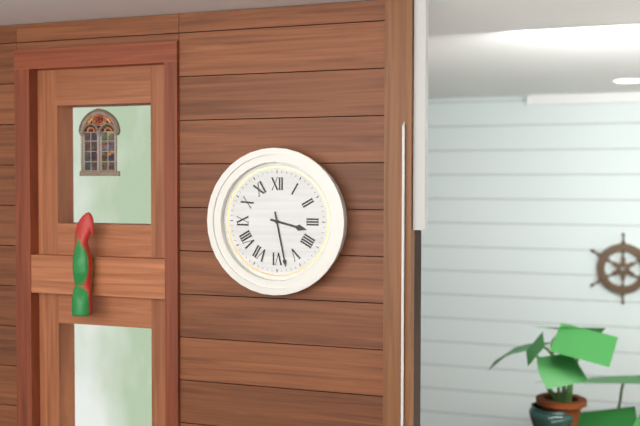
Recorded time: 3:28
